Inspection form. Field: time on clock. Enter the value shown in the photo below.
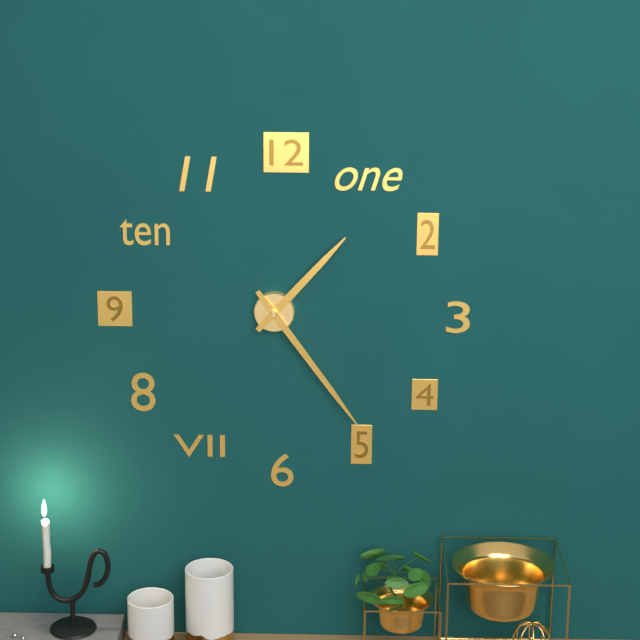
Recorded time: 1:24
